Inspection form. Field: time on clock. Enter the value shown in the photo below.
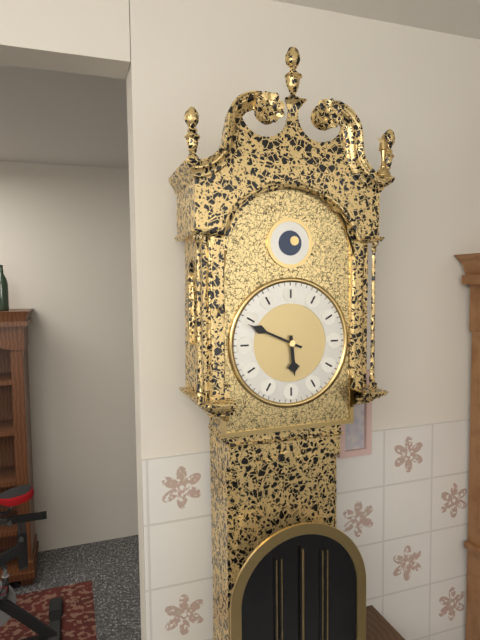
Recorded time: 5:49
